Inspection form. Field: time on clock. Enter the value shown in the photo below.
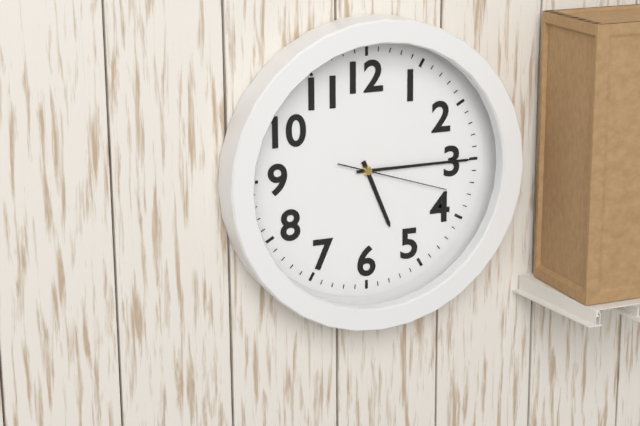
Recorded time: 5:15:18
